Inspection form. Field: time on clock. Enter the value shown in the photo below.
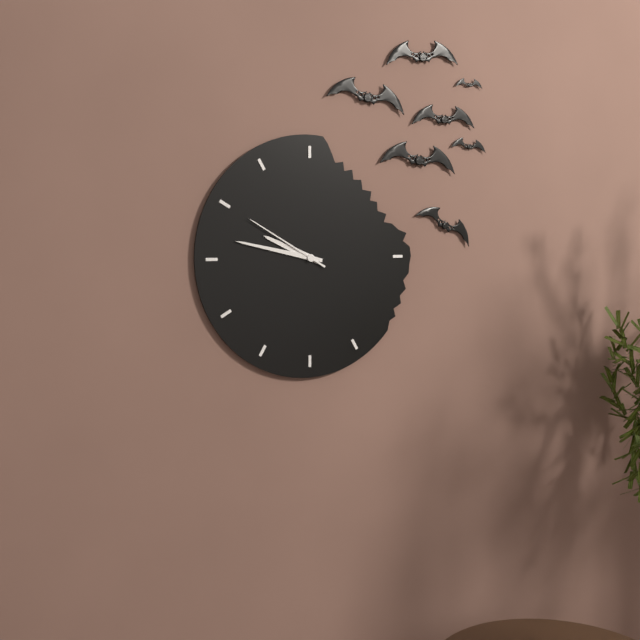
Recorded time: 9:47:50
